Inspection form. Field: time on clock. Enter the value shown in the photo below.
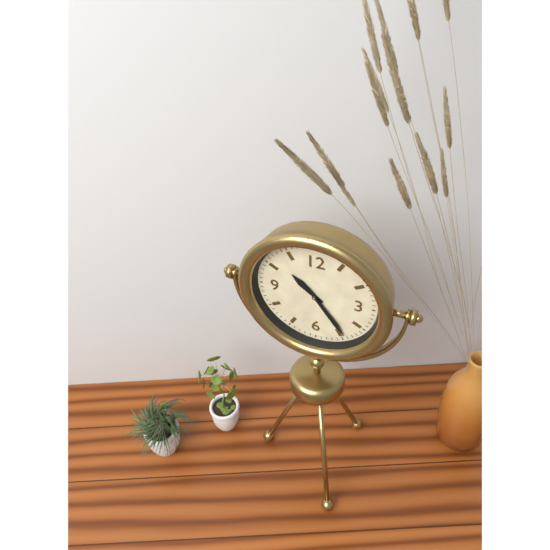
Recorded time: 10:24
